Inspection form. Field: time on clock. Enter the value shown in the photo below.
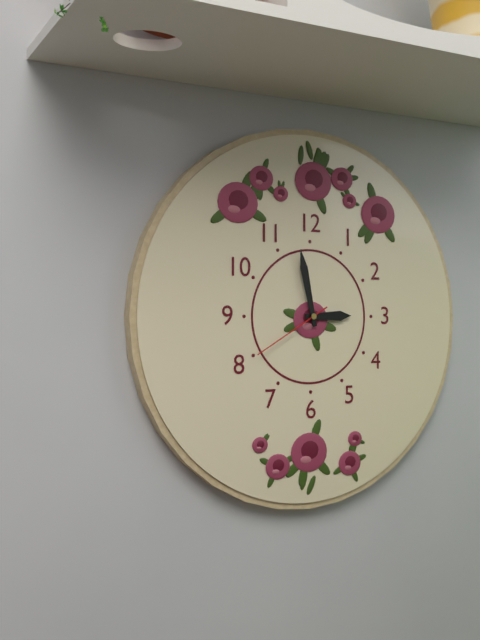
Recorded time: 2:58:40
